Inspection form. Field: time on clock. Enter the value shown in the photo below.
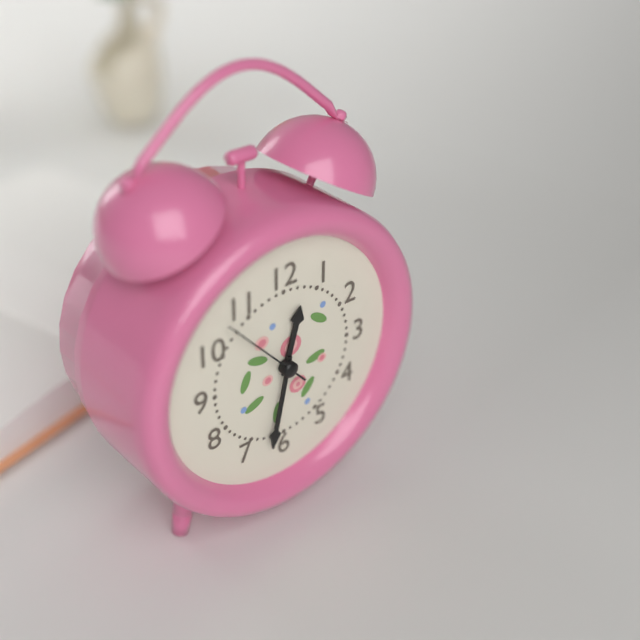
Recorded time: 12:32:53
